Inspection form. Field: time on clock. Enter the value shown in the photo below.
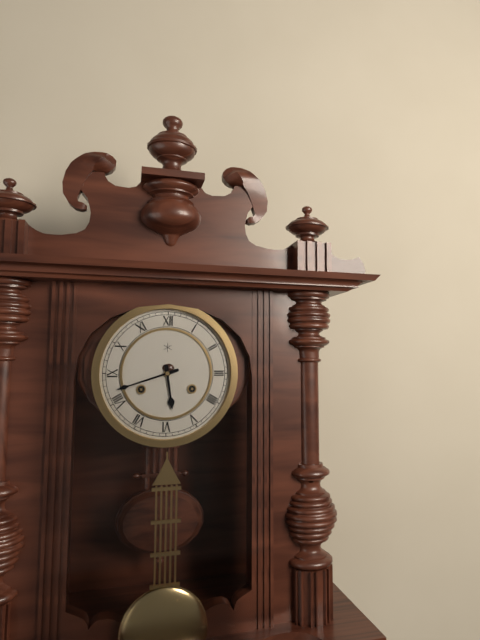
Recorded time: 5:42
